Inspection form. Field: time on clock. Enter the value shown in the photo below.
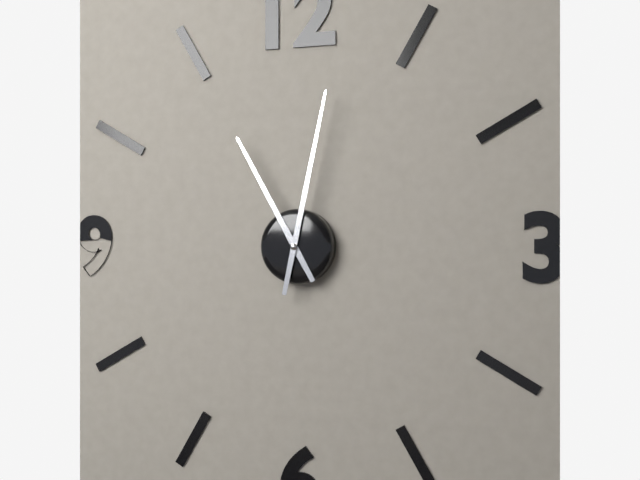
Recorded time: 11:02
